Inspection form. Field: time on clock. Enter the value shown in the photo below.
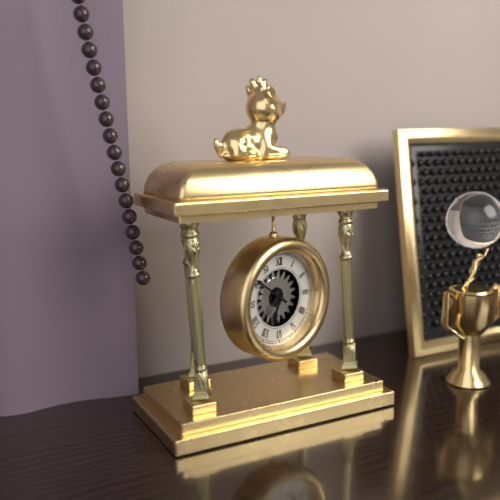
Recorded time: 6:51
